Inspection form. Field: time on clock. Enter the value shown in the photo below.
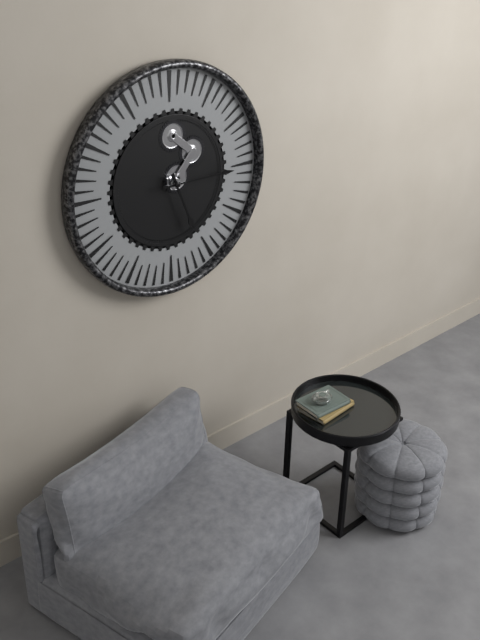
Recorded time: 5:15
